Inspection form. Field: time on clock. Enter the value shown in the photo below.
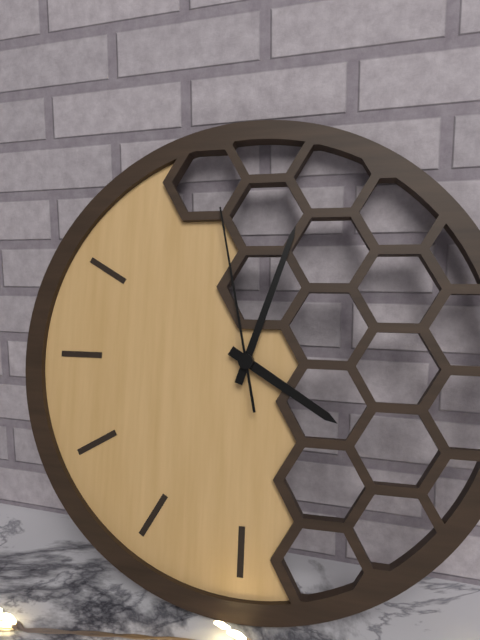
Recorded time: 4:03:58
